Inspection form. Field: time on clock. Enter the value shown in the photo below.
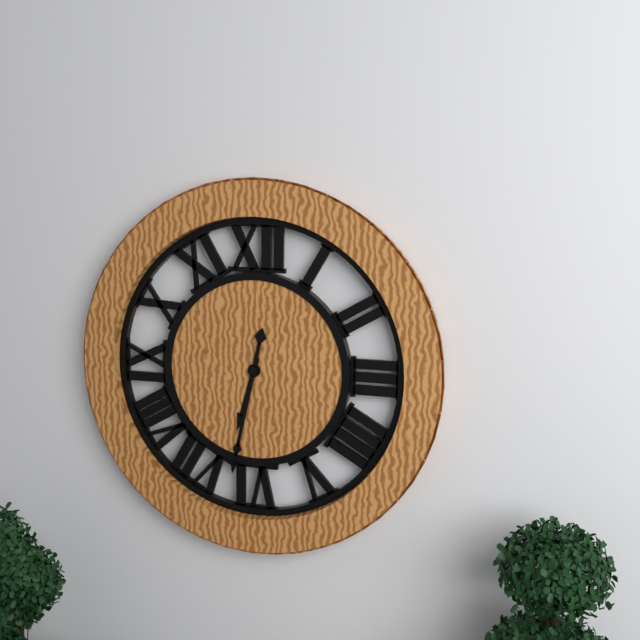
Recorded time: 6:32
